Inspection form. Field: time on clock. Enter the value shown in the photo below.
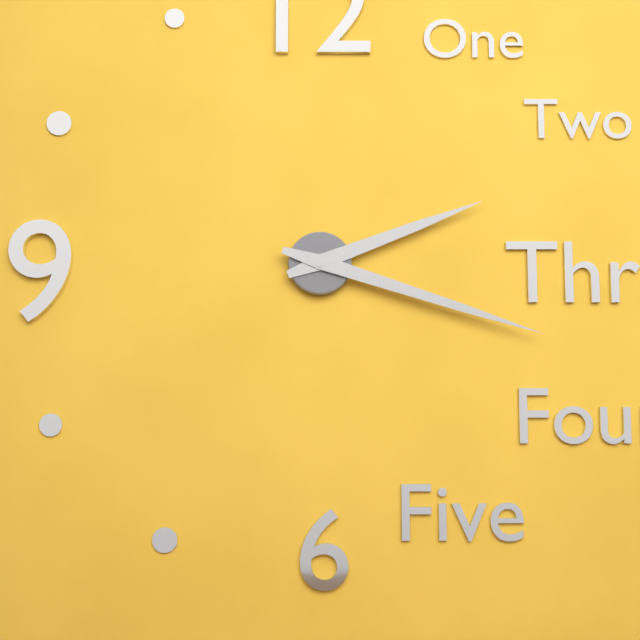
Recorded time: 2:18
